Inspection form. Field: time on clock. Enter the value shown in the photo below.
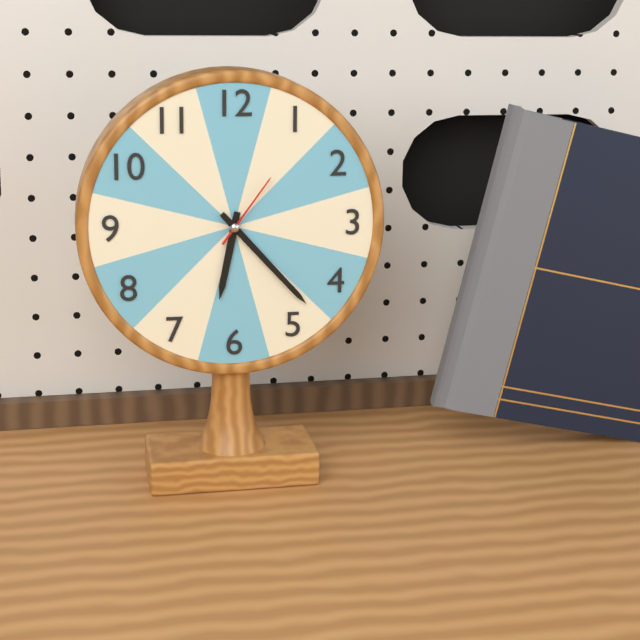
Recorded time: 6:23:06
